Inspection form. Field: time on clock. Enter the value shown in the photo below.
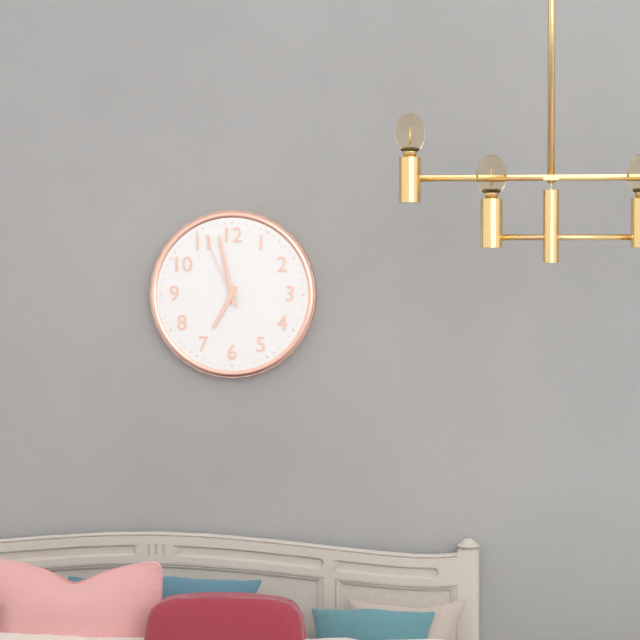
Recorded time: 6:58:56
